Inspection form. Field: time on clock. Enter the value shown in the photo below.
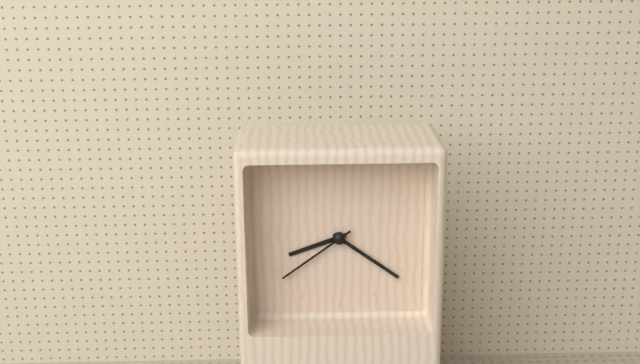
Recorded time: 8:21:39
